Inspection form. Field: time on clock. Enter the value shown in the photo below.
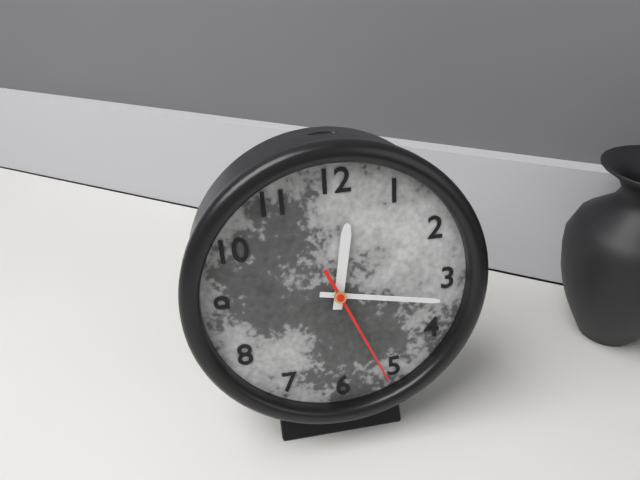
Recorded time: 12:17:26
